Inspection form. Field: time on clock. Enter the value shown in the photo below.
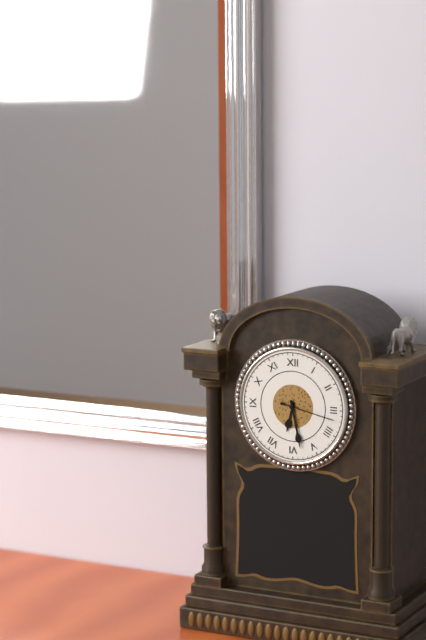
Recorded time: 6:28:17
